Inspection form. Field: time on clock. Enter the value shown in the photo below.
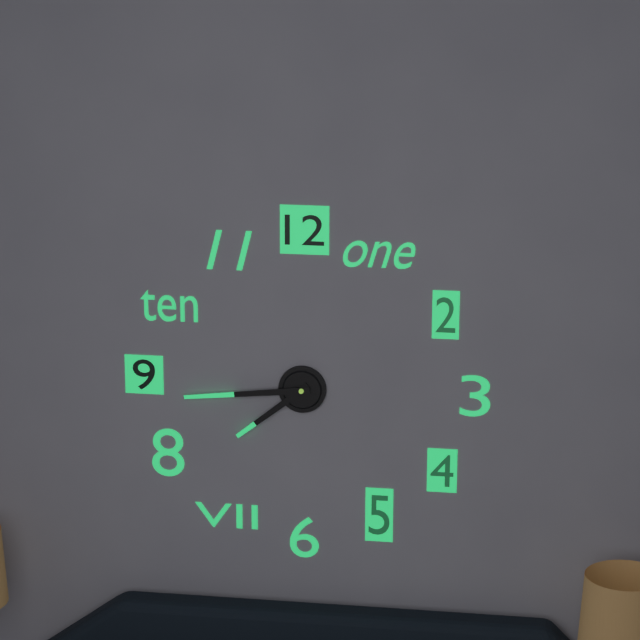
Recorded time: 7:44
